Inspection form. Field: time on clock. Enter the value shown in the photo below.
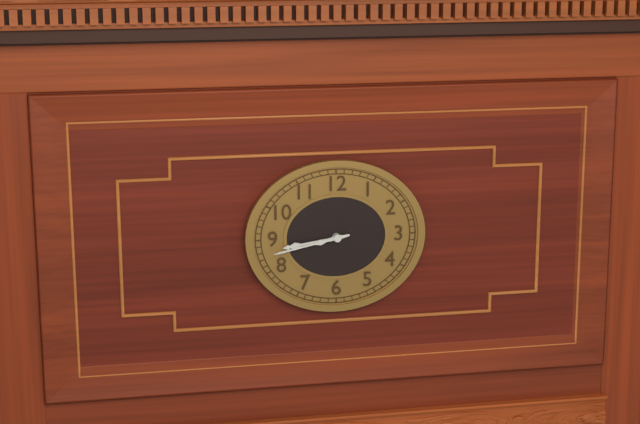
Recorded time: 8:43
